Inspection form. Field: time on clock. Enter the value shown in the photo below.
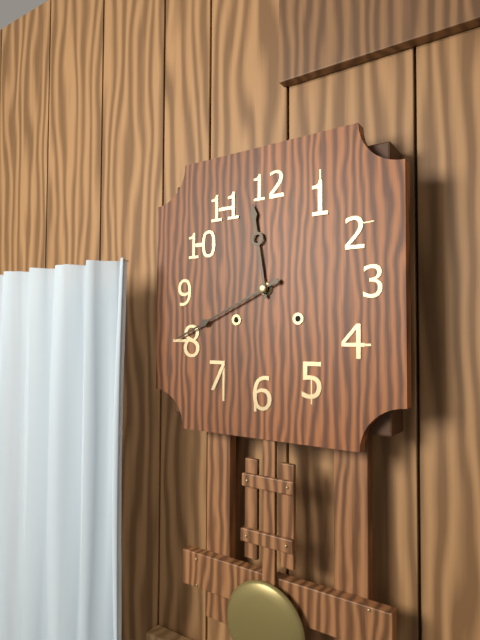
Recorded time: 11:41
